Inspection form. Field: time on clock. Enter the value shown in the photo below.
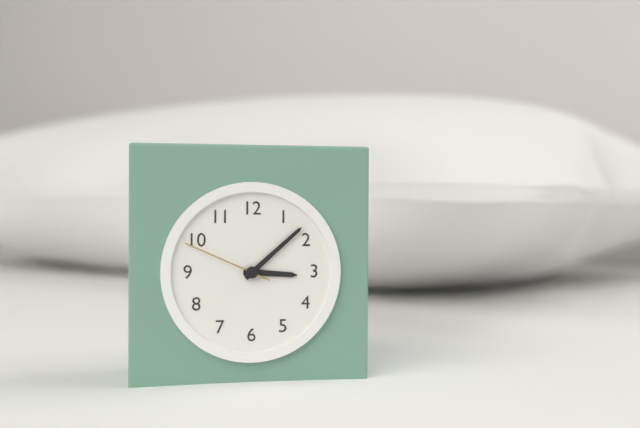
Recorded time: 3:08:49
